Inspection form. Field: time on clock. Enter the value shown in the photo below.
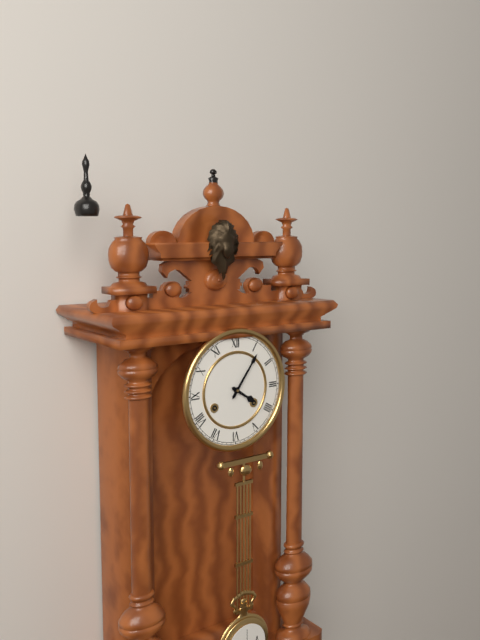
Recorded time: 4:06
